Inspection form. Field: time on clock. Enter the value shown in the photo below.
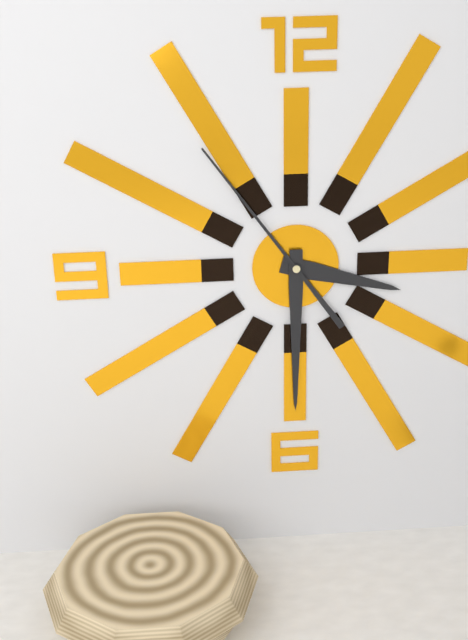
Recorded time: 3:30:54
